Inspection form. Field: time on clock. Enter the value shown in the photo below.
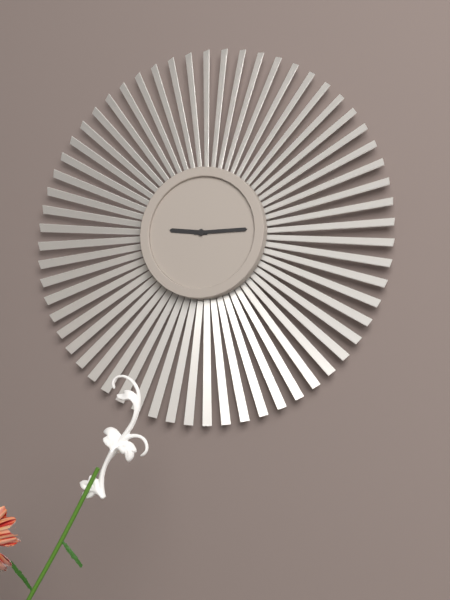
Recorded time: 9:15
